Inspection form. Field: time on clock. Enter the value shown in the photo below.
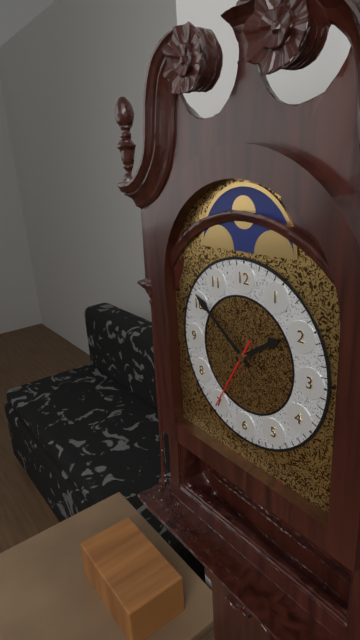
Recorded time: 1:51:35
